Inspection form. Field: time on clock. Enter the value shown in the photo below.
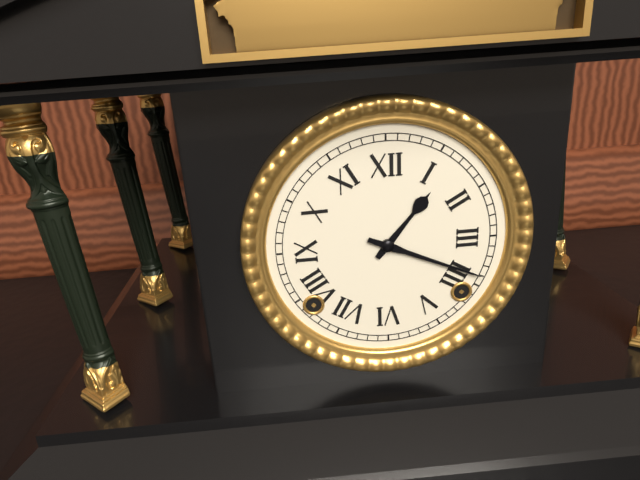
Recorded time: 1:19
